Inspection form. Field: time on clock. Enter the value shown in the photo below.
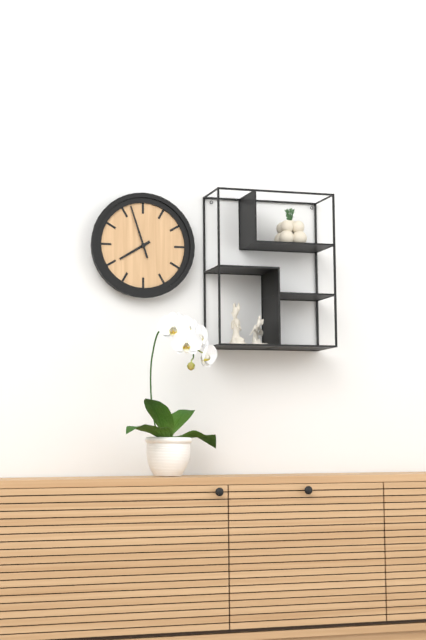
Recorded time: 7:57
